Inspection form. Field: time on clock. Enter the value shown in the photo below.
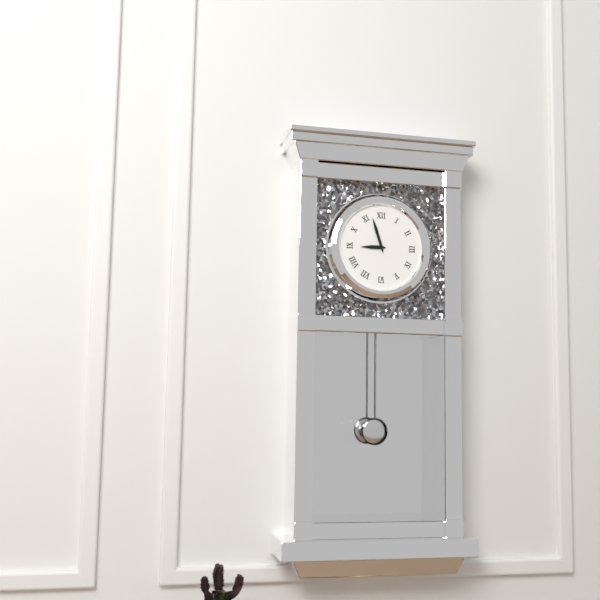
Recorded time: 8:57
